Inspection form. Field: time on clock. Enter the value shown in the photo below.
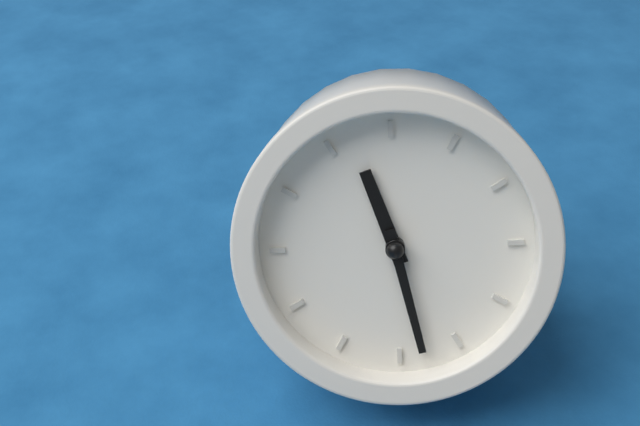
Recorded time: 10:23
